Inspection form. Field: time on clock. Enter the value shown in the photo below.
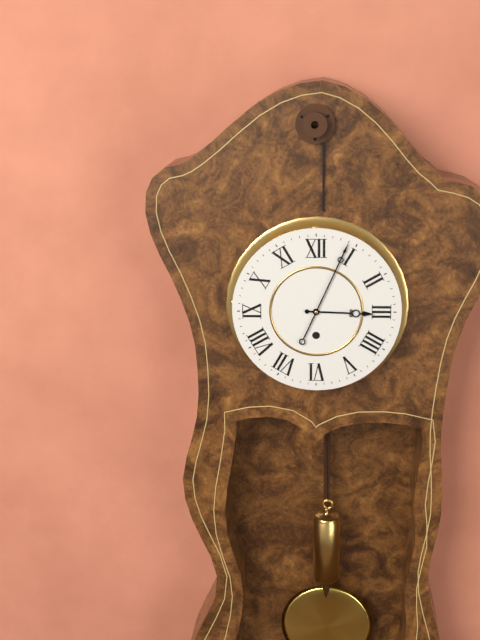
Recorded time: 3:04
